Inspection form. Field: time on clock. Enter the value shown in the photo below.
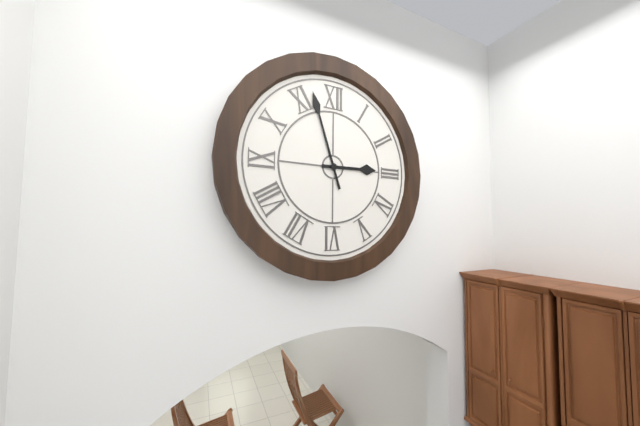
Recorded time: 2:57
